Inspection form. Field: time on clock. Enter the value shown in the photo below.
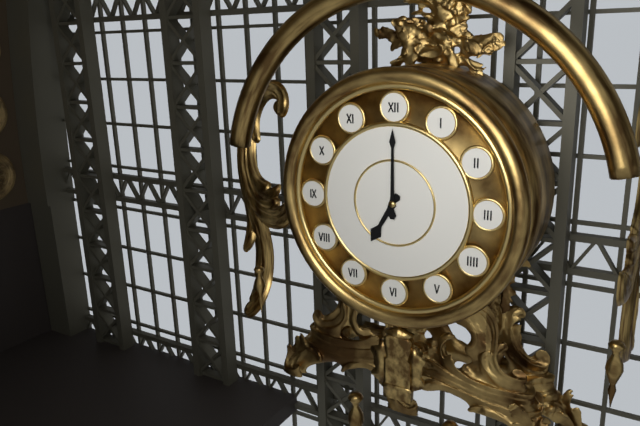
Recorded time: 7:00
